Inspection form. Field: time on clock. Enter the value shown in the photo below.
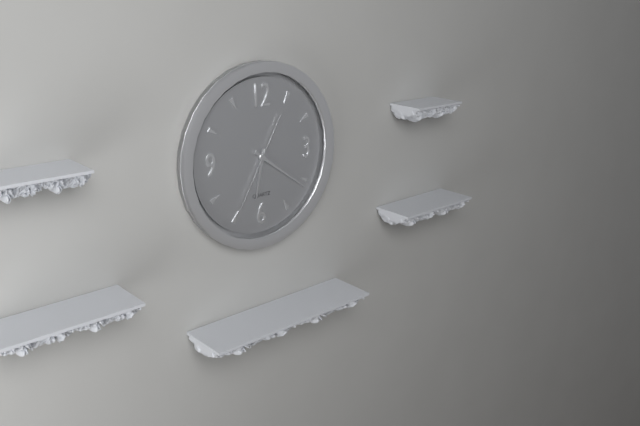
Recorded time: 6:21:35
